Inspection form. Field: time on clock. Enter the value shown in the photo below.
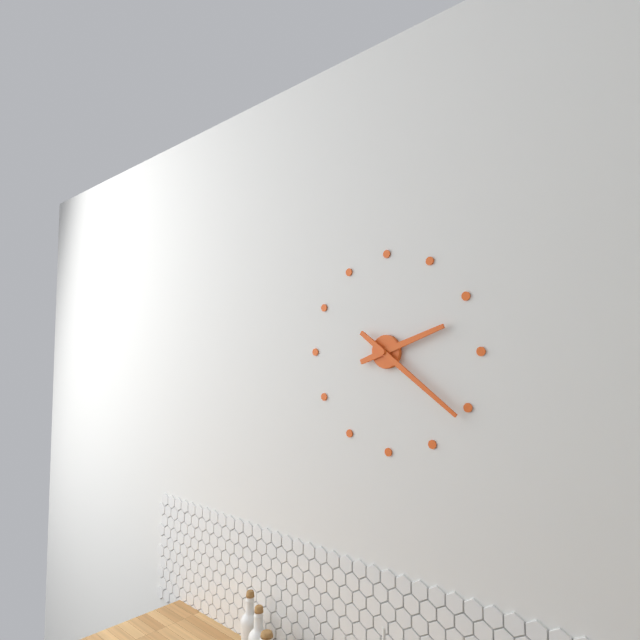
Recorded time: 2:21
